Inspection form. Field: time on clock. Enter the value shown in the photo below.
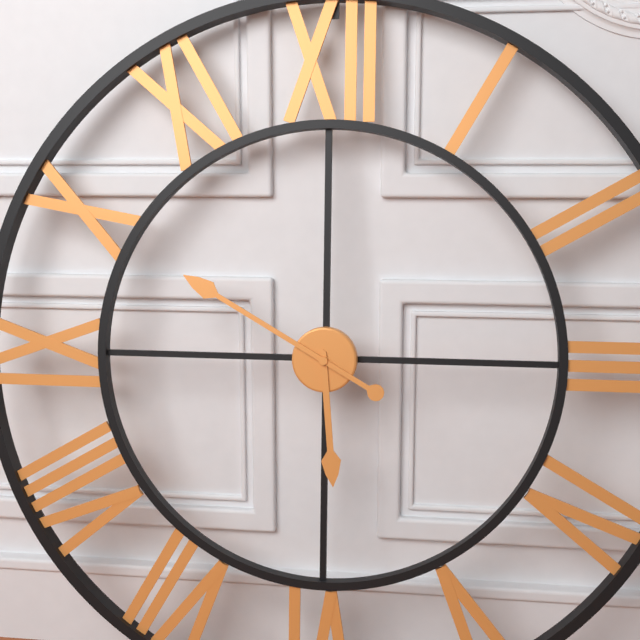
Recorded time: 5:50
